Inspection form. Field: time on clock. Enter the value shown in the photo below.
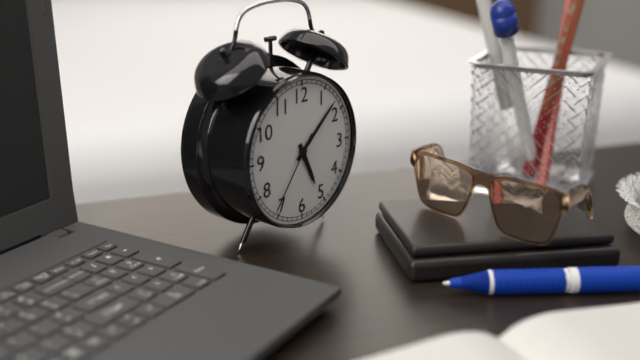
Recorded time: 5:08:36
